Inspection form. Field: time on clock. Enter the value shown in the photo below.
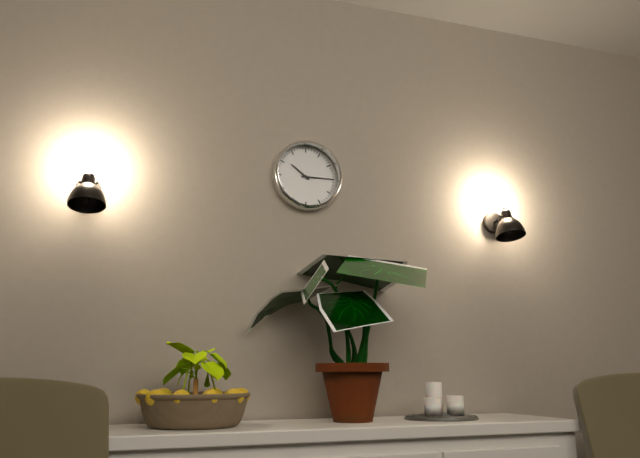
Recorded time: 10:15
